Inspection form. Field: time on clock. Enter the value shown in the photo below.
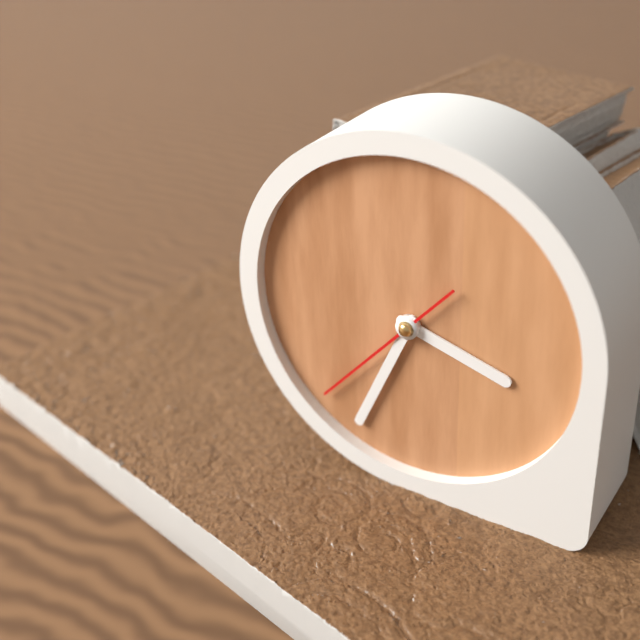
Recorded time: 3:34:37
